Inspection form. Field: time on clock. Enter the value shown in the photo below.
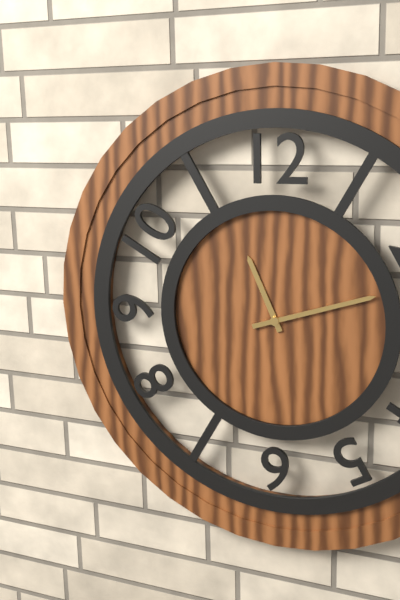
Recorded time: 11:12
